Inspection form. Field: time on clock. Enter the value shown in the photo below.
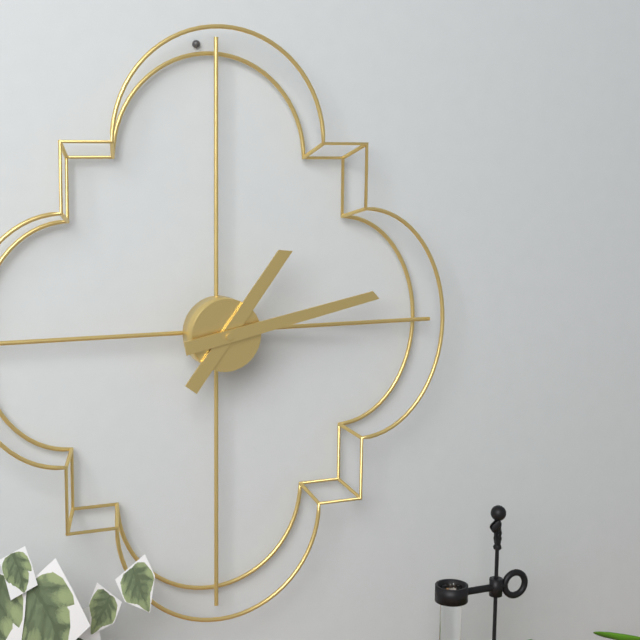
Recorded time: 1:13
